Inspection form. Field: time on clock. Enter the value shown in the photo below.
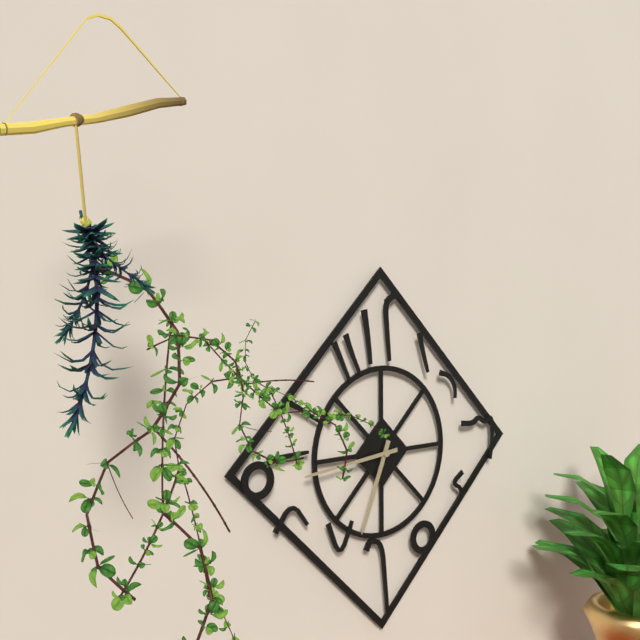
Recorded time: 6:44
